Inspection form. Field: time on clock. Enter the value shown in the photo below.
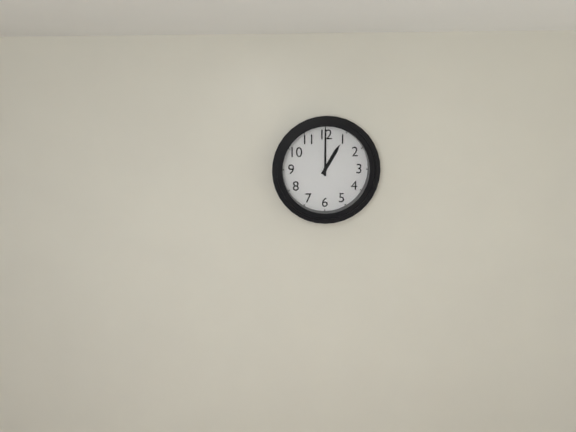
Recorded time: 1:00
